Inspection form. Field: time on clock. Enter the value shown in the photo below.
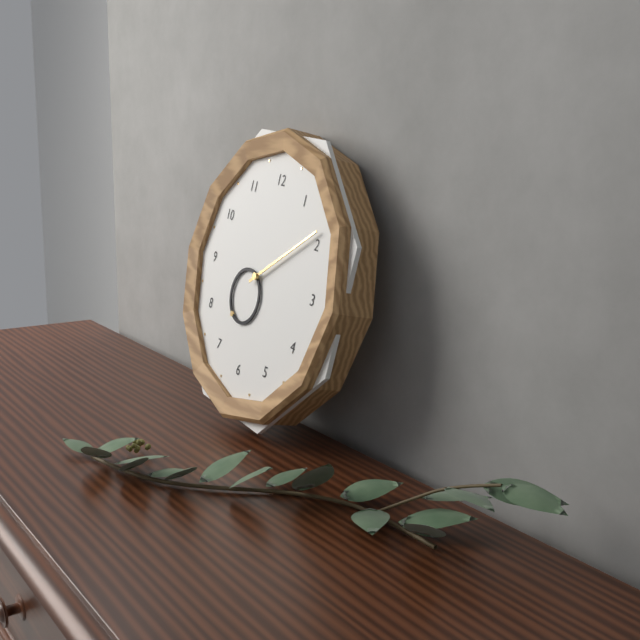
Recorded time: 7:09
